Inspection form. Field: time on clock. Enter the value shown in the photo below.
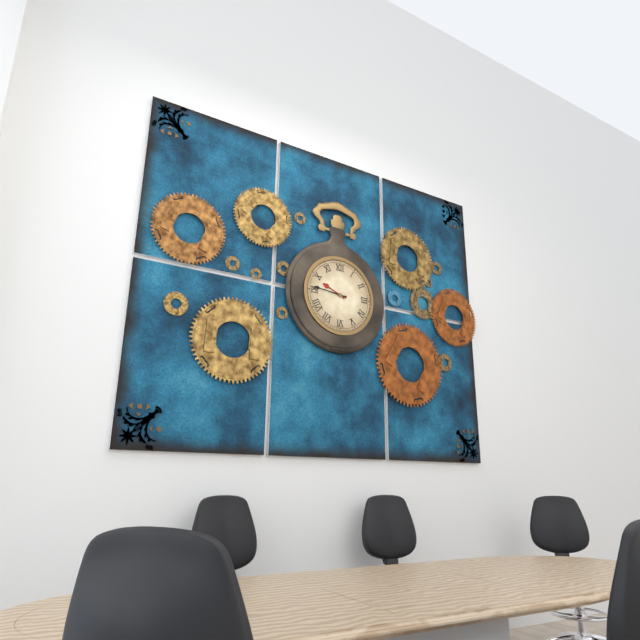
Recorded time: 9:46
